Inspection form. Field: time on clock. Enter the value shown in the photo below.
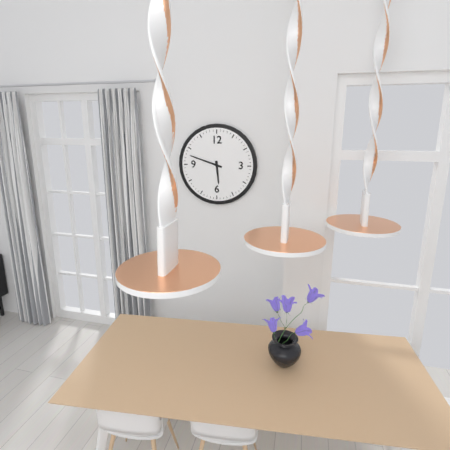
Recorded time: 5:48
